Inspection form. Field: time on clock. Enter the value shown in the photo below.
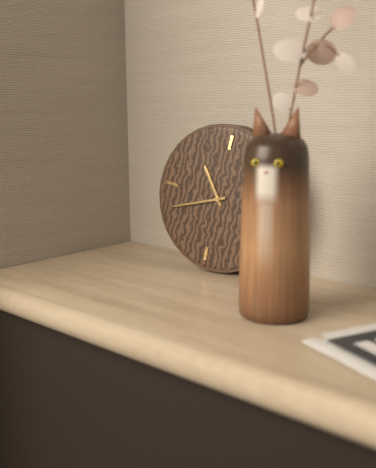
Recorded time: 10:41
